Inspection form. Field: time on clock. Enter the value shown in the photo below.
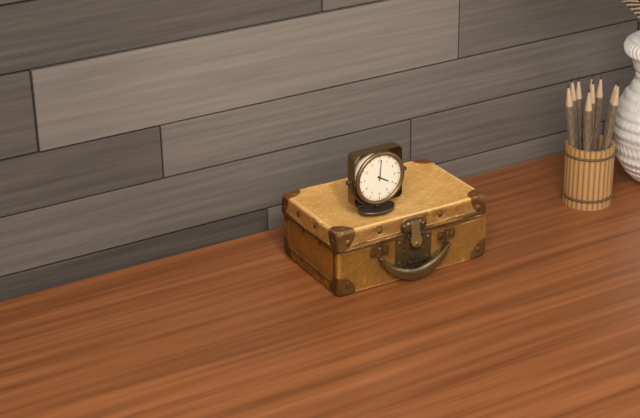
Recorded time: 4:01
